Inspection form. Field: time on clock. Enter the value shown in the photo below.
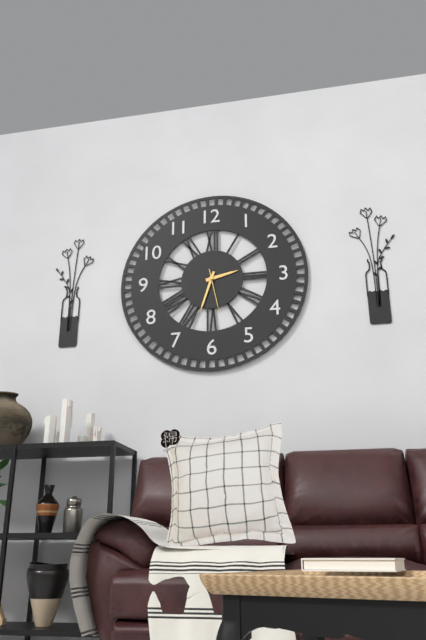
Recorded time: 2:33
